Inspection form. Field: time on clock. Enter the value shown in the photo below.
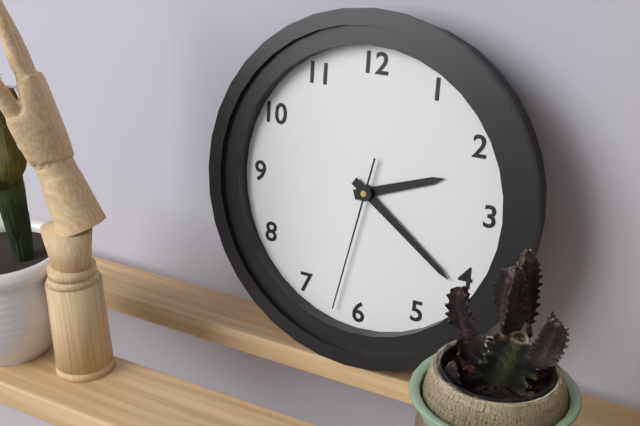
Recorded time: 2:21:32
